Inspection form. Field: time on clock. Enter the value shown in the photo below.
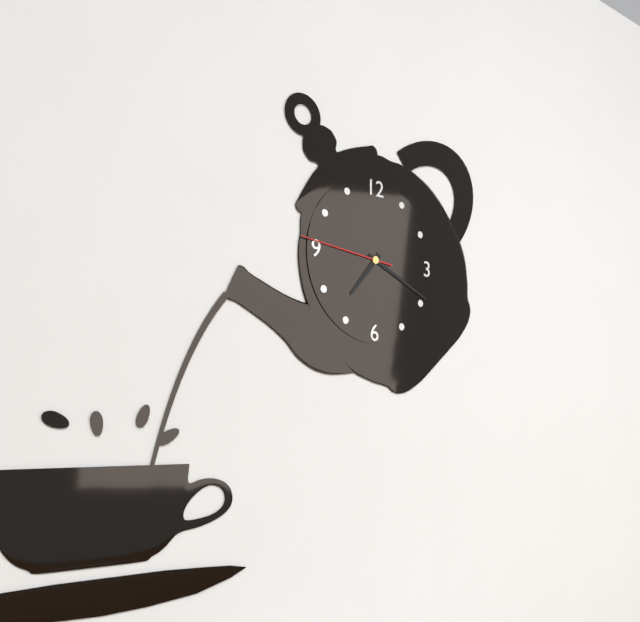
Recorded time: 7:19:46
